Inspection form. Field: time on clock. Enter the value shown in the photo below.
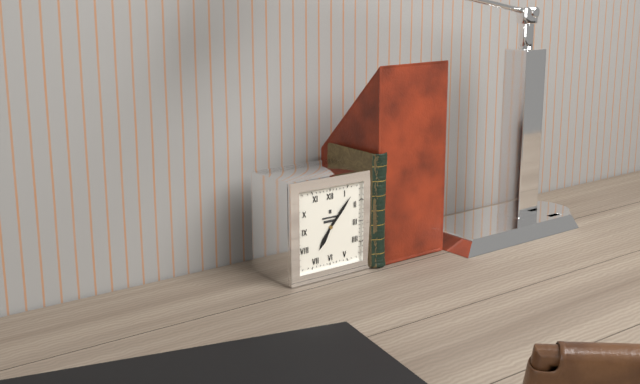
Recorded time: 7:07
